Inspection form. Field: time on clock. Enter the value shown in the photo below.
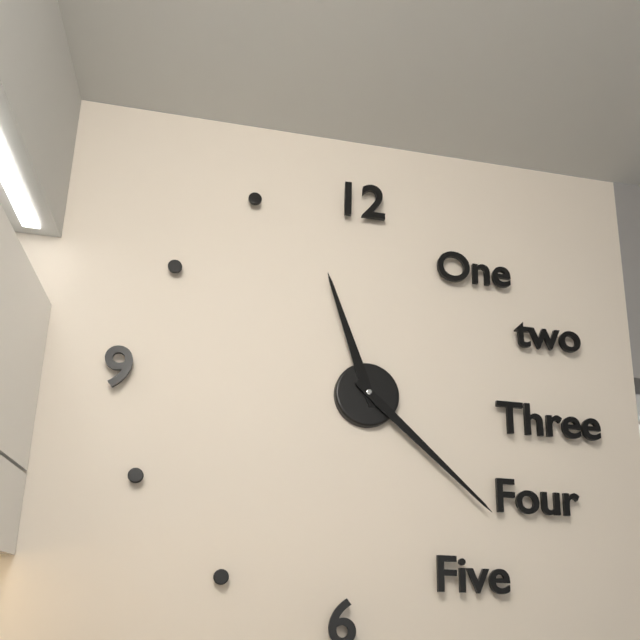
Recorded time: 11:22
